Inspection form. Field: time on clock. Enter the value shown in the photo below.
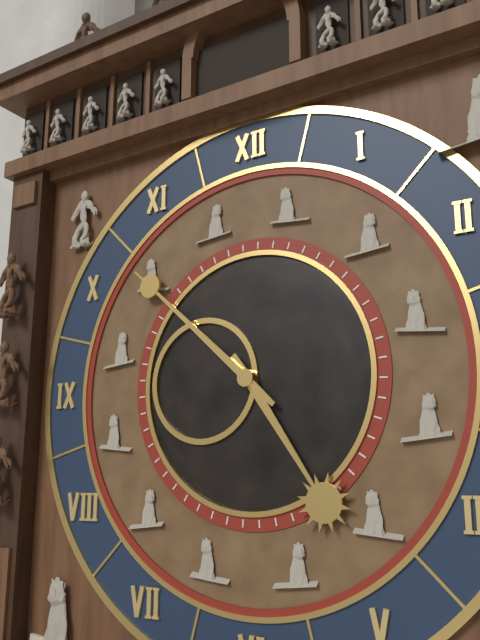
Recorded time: 4:52
